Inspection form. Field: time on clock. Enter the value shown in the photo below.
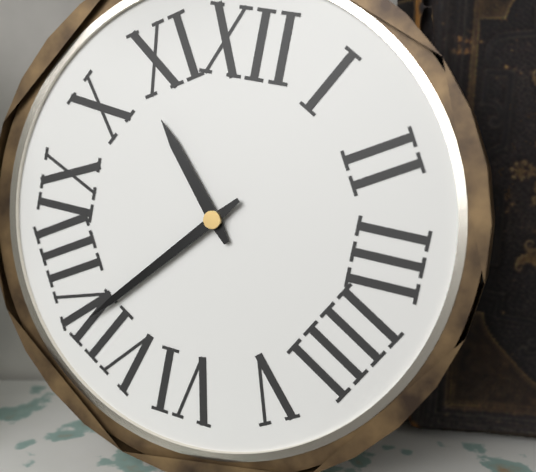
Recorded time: 10:37
